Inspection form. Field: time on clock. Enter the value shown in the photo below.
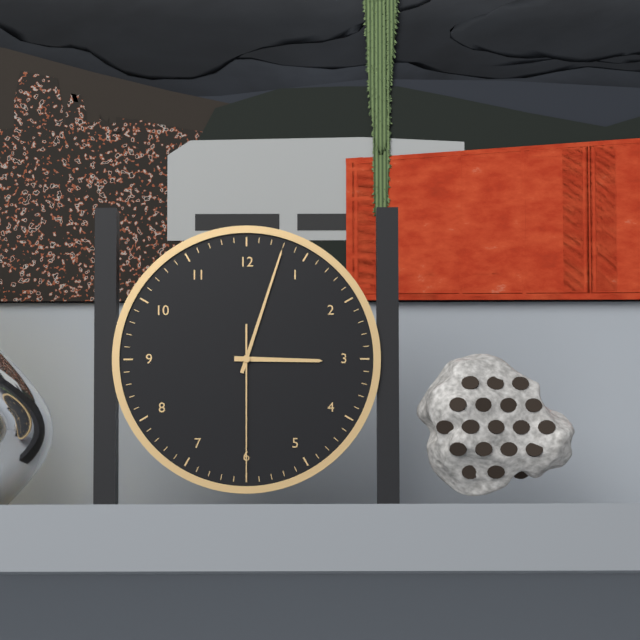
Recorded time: 3:03:30
